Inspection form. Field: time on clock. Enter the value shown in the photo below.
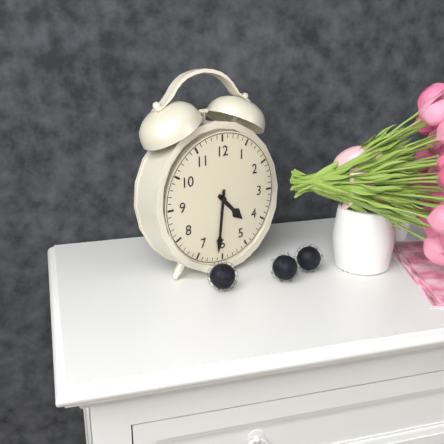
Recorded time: 4:31
